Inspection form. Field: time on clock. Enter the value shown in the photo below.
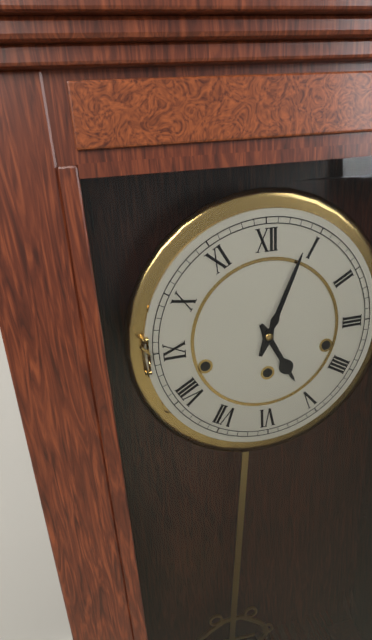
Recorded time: 5:04
